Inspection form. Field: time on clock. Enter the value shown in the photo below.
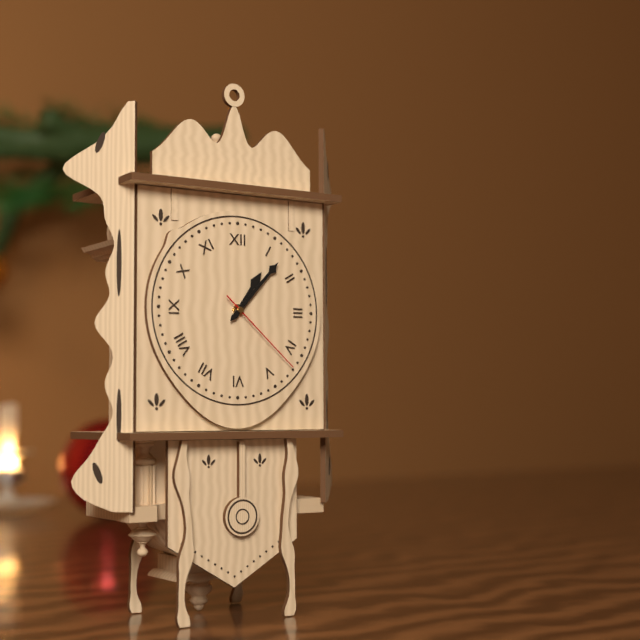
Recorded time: 1:07:22
